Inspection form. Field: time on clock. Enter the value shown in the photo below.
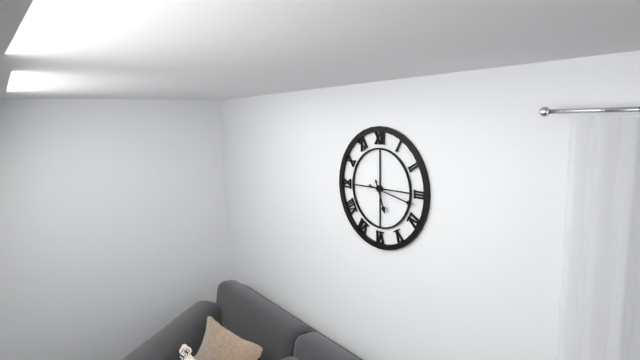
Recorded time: 5:17
